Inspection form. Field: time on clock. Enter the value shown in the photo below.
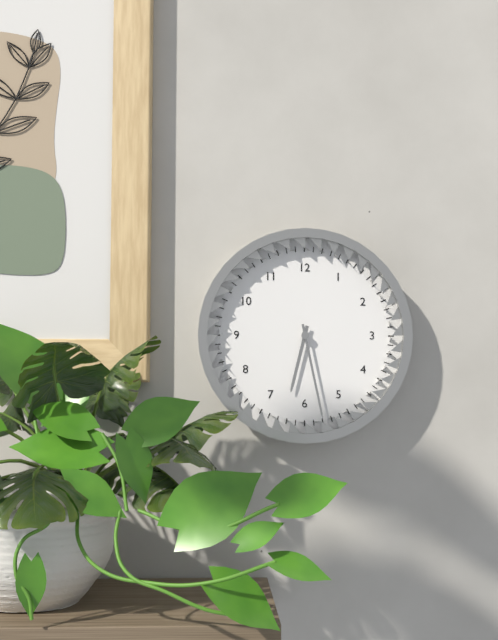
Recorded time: 6:28
